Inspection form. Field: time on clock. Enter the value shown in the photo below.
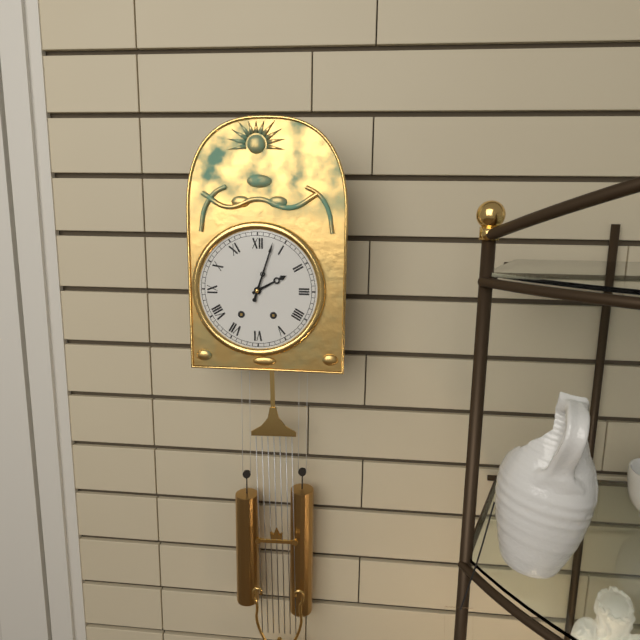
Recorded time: 2:03
